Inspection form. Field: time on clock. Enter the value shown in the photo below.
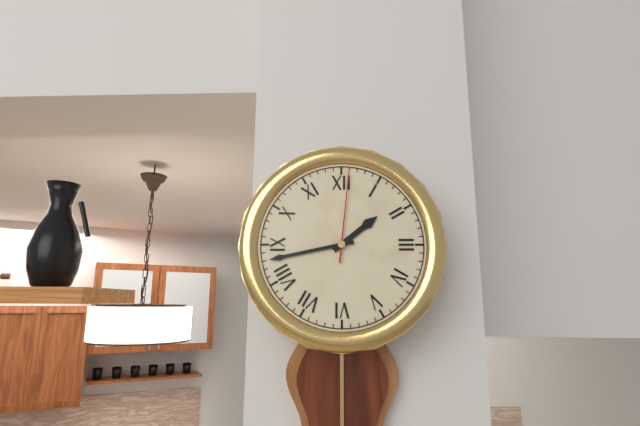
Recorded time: 1:43:01
